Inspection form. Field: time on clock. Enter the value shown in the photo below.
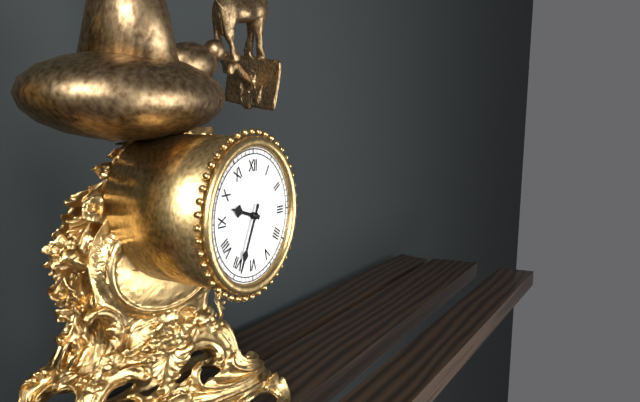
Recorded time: 9:34
